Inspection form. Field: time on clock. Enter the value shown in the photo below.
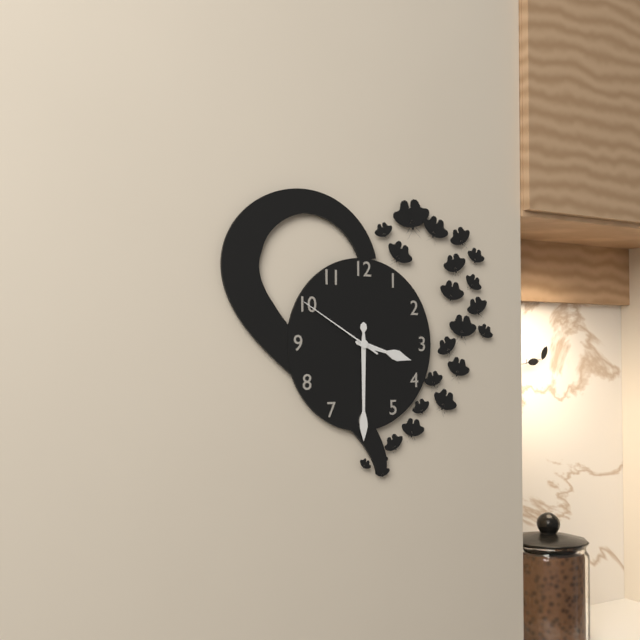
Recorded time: 3:30:50
